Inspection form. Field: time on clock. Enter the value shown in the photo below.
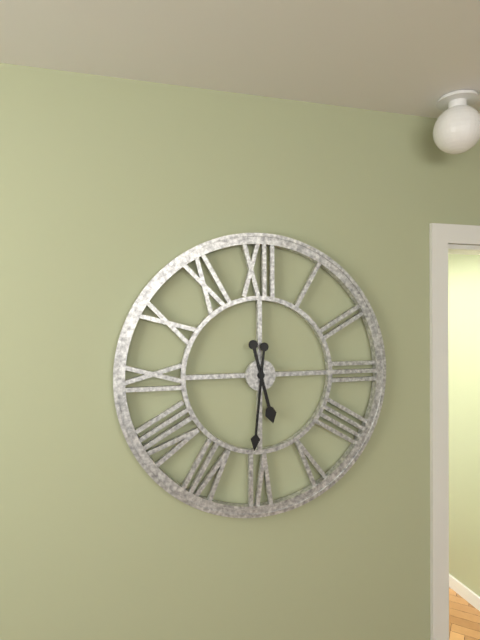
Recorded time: 5:31
